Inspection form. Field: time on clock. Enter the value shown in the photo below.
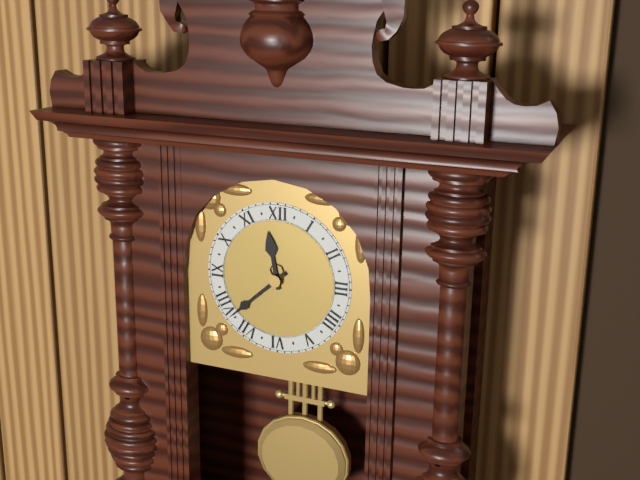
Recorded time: 11:38
